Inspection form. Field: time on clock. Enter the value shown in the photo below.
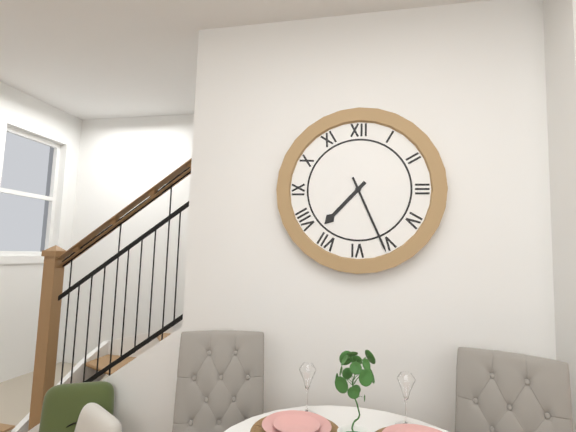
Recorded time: 7:26
